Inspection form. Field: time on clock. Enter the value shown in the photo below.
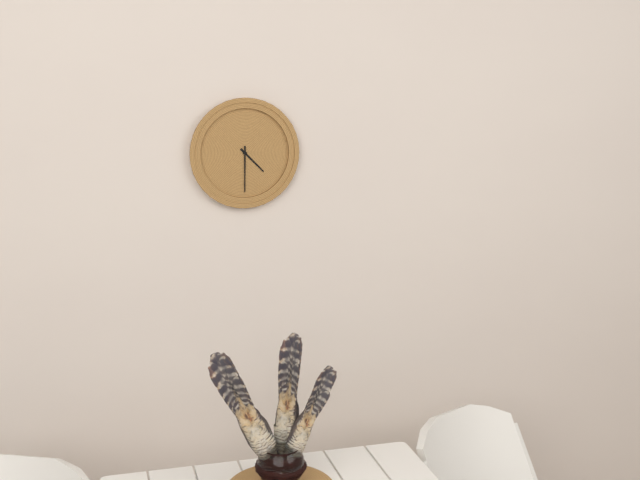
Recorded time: 4:30
